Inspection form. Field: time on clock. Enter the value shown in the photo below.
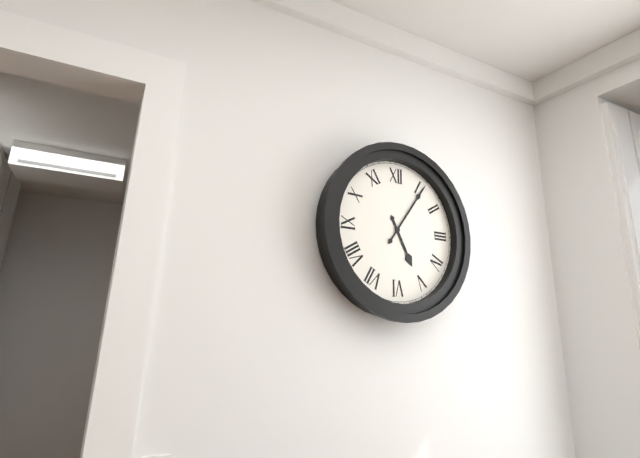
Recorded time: 5:06
